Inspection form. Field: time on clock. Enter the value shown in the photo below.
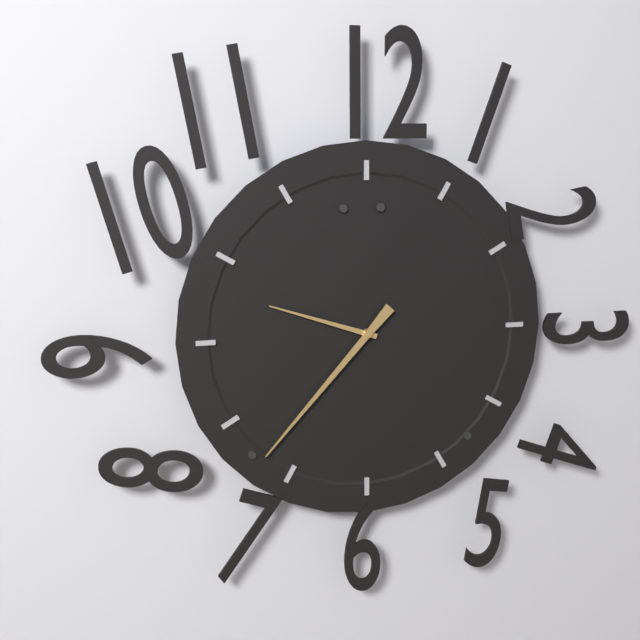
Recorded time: 9:37
